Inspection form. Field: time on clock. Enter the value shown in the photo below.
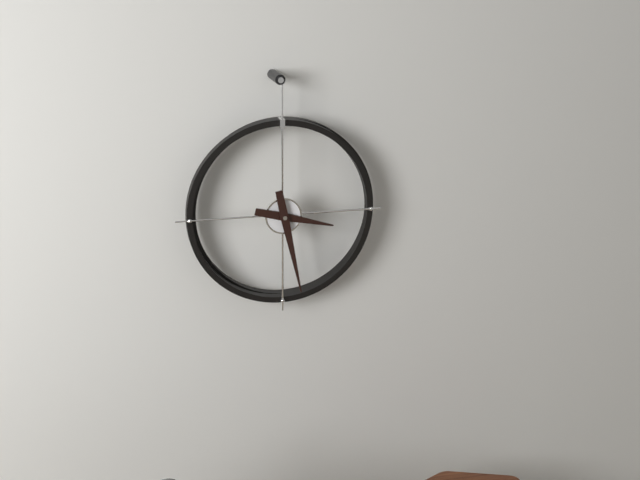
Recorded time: 3:28
